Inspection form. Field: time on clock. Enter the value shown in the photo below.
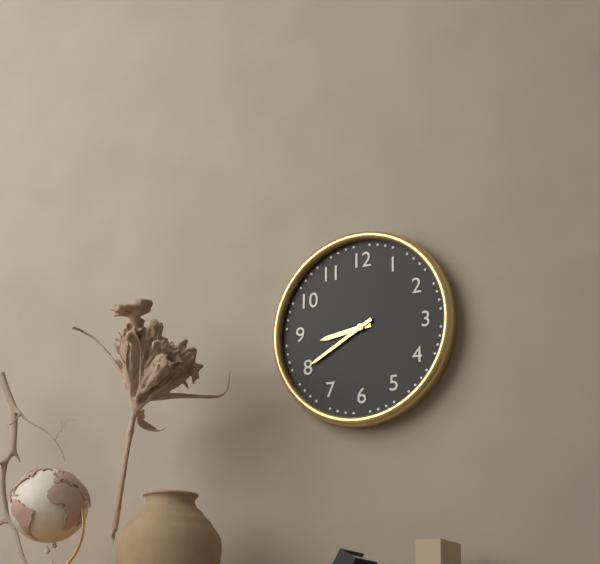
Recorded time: 8:40
